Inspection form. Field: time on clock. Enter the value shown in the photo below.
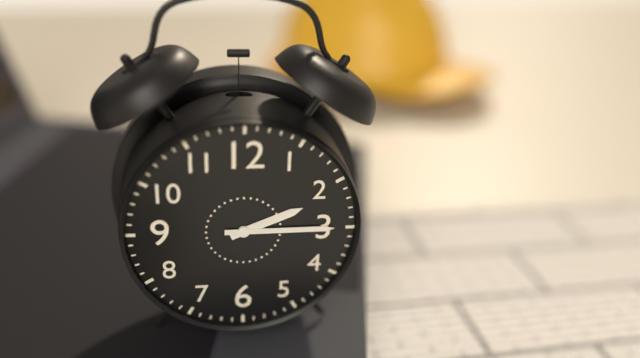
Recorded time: 2:15
